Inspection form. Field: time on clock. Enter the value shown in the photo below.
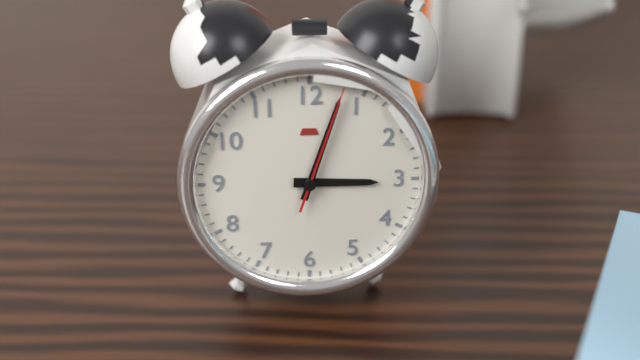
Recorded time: 3:03:03
